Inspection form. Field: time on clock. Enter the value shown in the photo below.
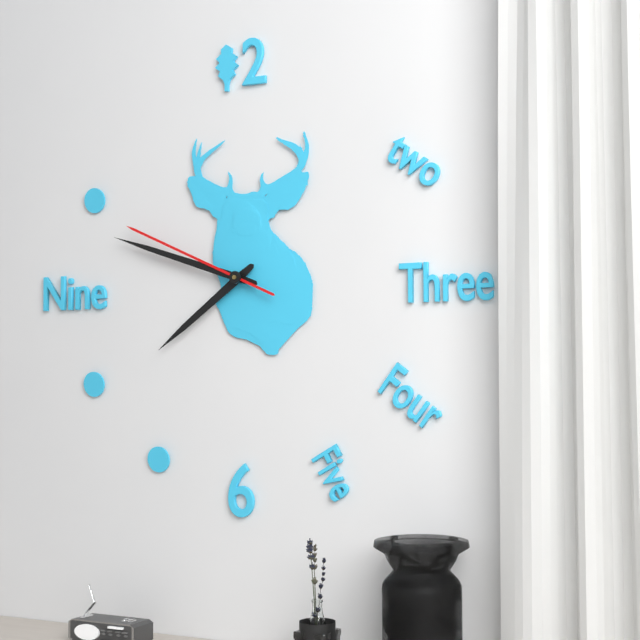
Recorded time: 7:48:49
